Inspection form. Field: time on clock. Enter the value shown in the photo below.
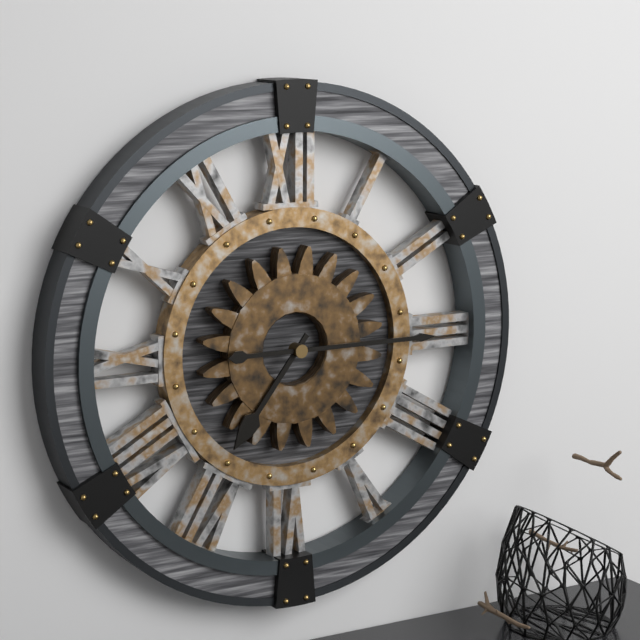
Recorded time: 7:15
